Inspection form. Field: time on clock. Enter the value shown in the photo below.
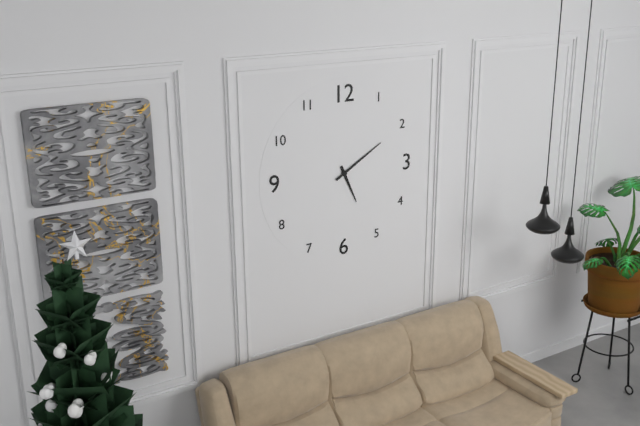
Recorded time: 5:10
